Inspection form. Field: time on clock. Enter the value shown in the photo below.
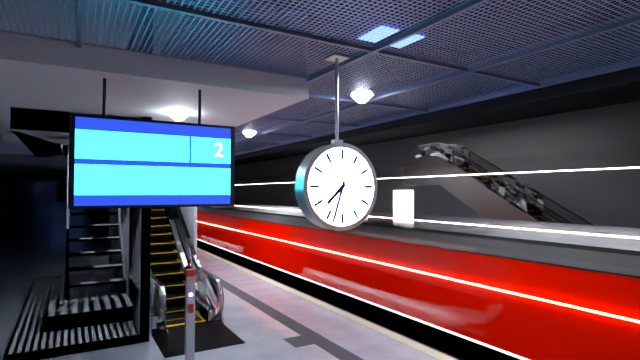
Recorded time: 7:33
